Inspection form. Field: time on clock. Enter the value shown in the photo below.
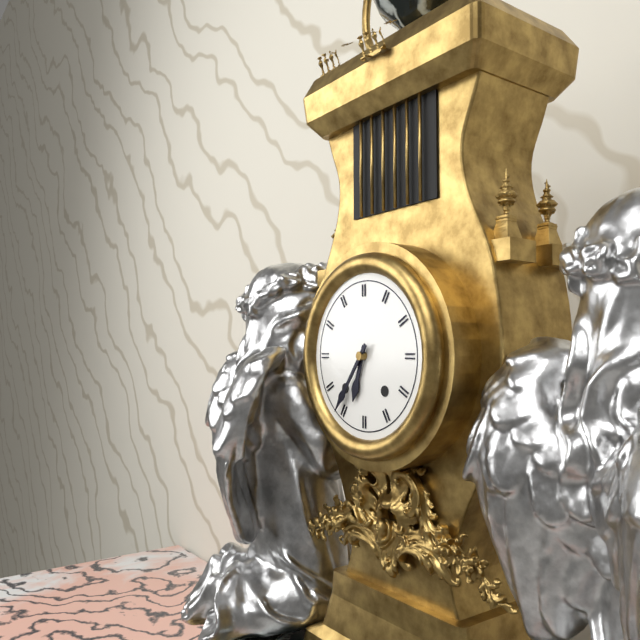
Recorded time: 6:36
